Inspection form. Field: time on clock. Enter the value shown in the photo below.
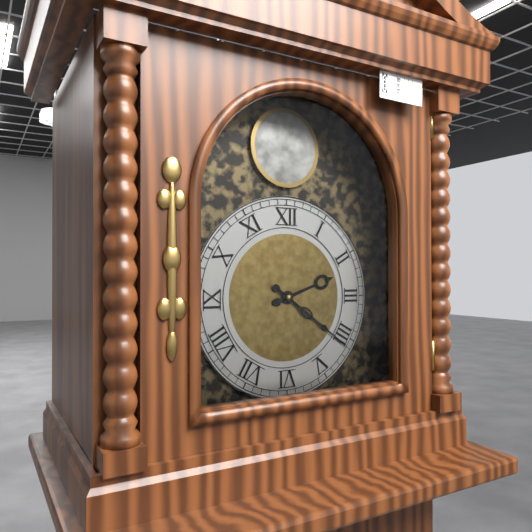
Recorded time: 2:21
